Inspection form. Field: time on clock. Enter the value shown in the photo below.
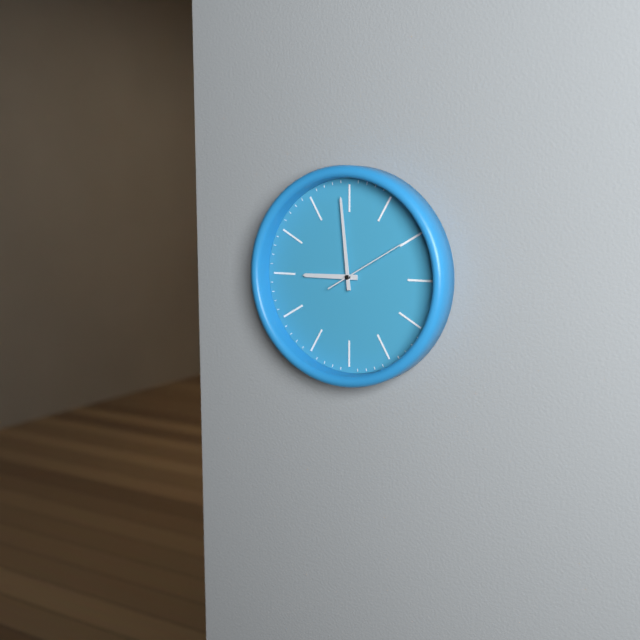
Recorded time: 8:59:10
